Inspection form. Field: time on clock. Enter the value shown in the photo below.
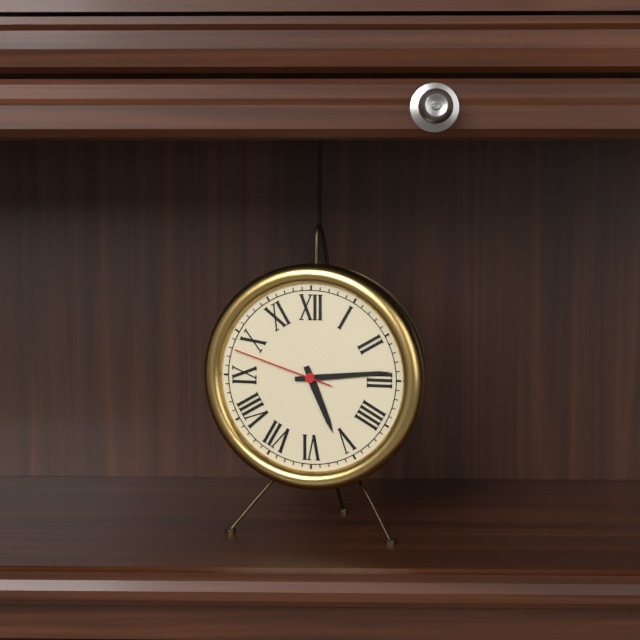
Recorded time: 5:14:48
